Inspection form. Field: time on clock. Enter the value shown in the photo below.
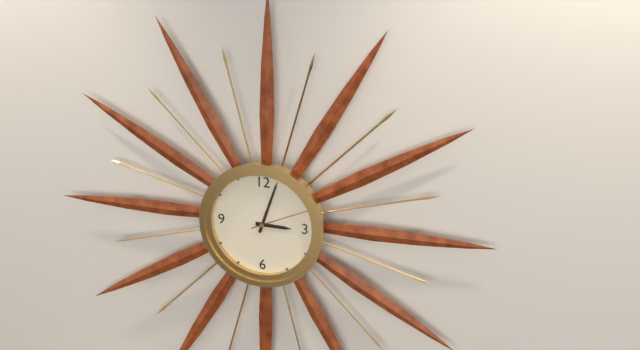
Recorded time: 3:03:11
